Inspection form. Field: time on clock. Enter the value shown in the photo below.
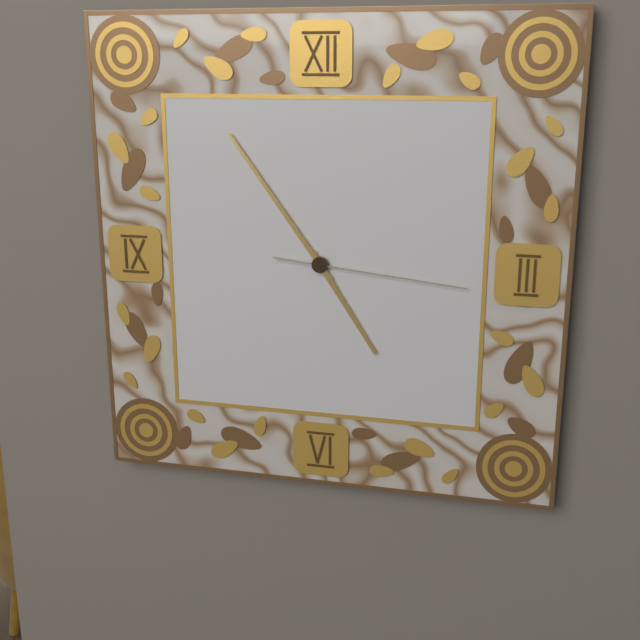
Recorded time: 4:54:16
